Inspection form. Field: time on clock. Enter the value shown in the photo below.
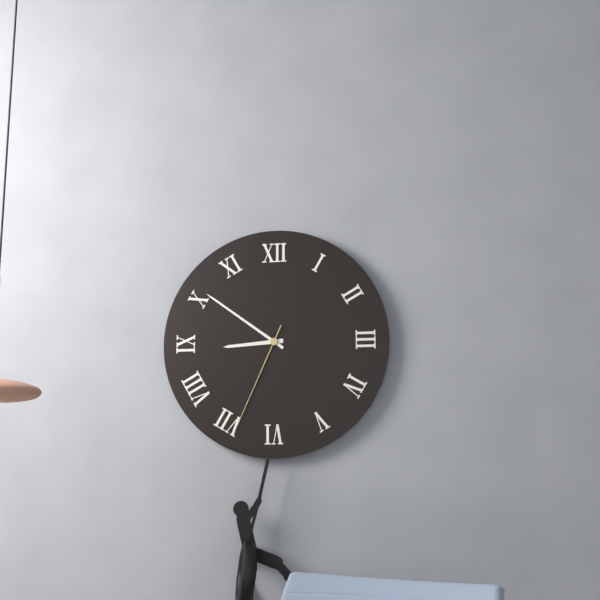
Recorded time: 8:51:34
